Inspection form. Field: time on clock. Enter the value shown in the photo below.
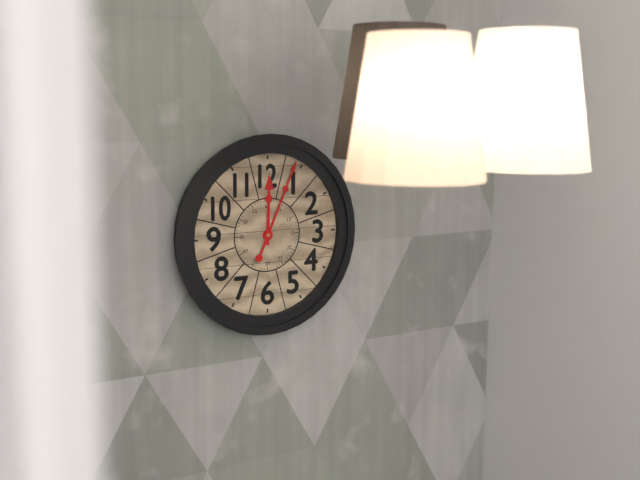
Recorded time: 12:04
